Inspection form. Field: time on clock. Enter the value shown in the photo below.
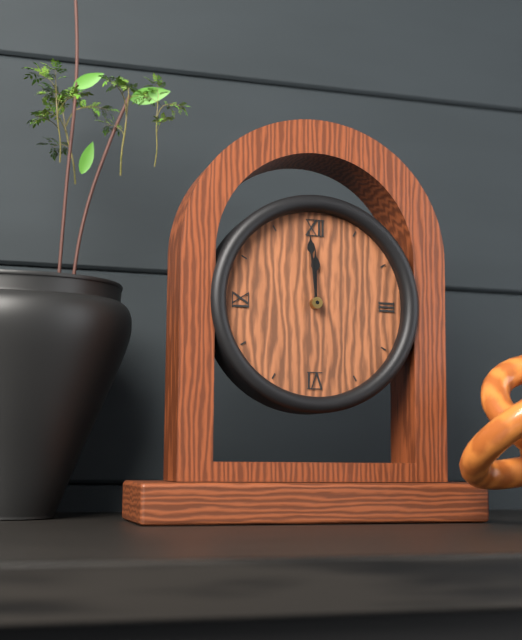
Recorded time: 11:59
